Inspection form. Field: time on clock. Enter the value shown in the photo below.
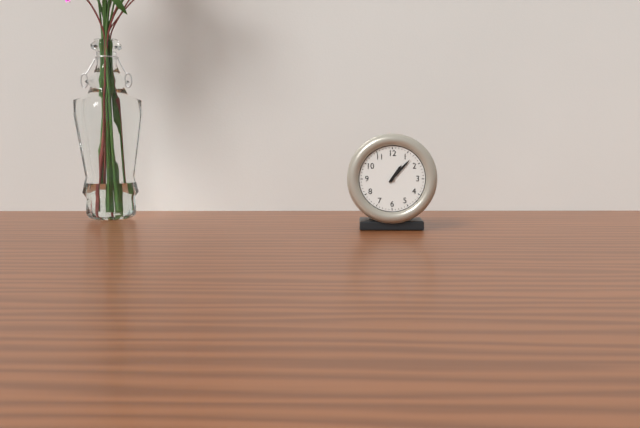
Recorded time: 1:07
